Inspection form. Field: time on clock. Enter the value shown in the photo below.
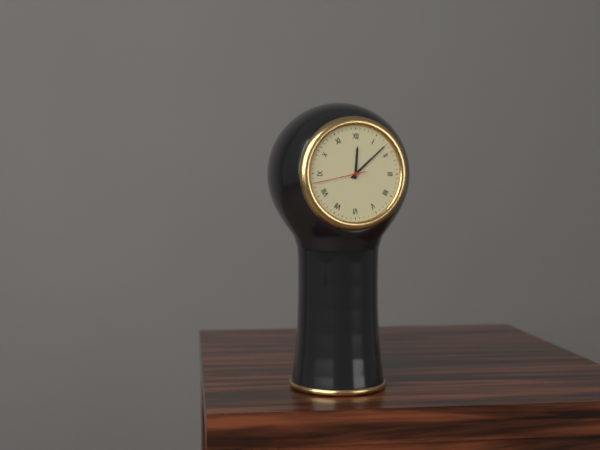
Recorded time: 12:08:43
